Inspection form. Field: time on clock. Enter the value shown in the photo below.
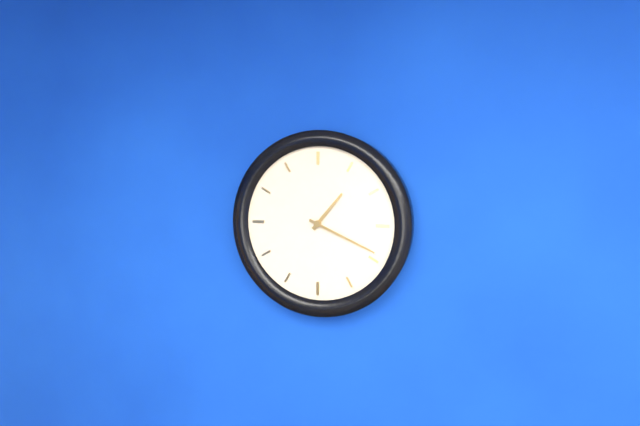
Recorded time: 1:19
